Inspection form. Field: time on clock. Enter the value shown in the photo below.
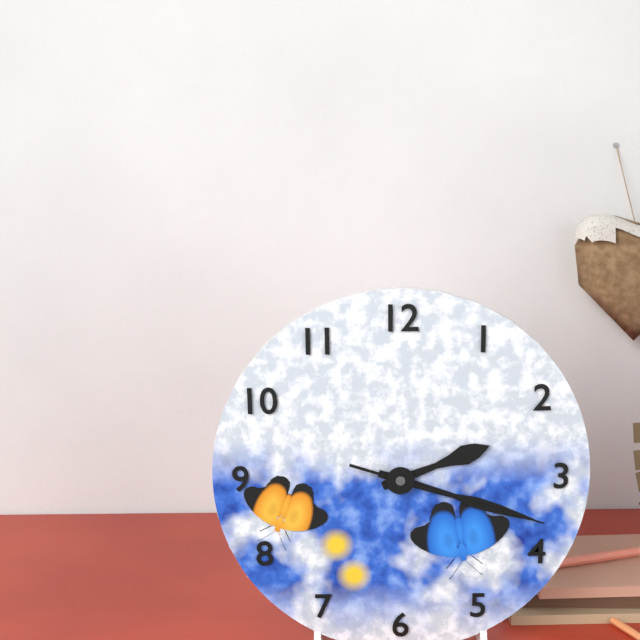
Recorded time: 2:18:18
